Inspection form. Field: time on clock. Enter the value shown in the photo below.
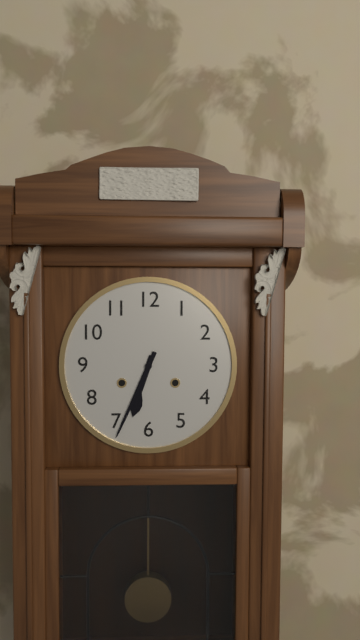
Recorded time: 6:34
